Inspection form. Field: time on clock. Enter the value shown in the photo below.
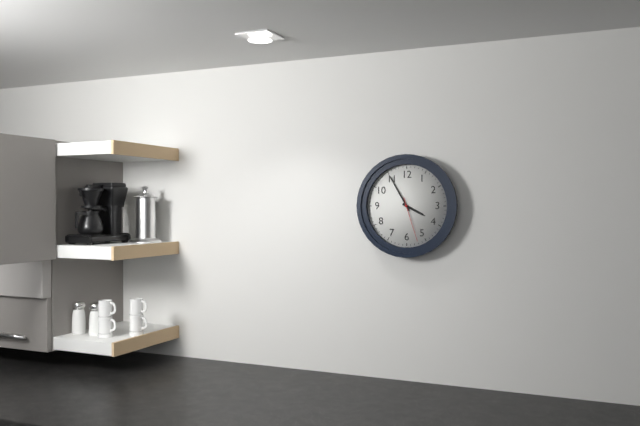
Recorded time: 3:55
